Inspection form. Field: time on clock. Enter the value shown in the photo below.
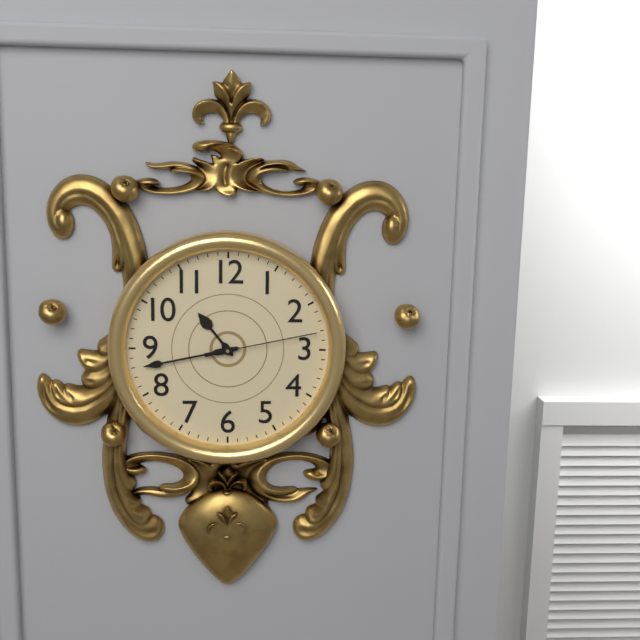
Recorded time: 10:43:13
